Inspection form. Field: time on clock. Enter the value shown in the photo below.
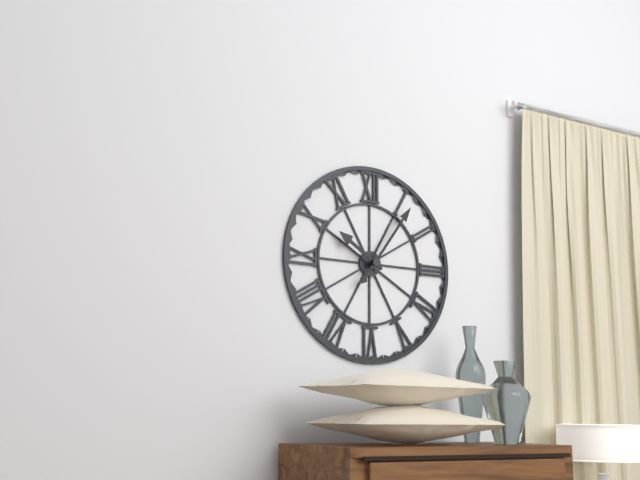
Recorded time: 10:06
